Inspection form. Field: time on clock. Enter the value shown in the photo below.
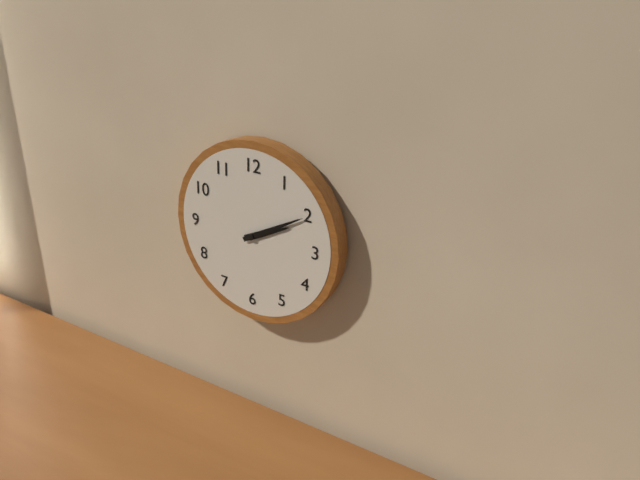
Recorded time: 2:10
